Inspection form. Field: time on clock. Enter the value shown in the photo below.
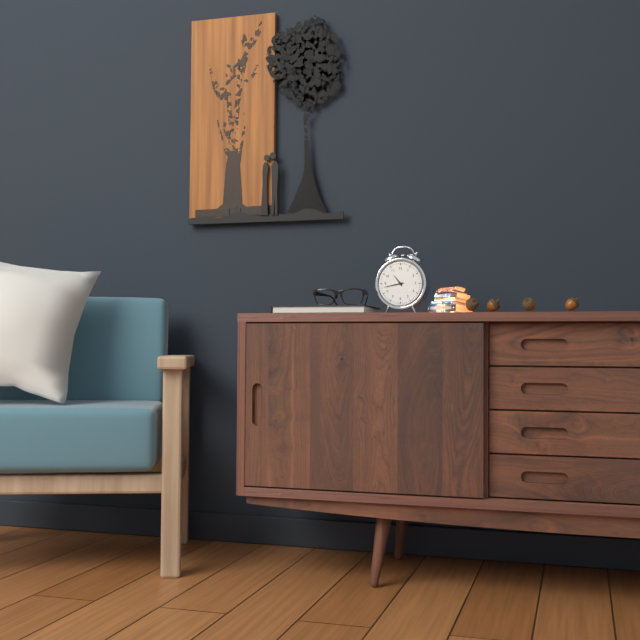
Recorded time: 10:43
